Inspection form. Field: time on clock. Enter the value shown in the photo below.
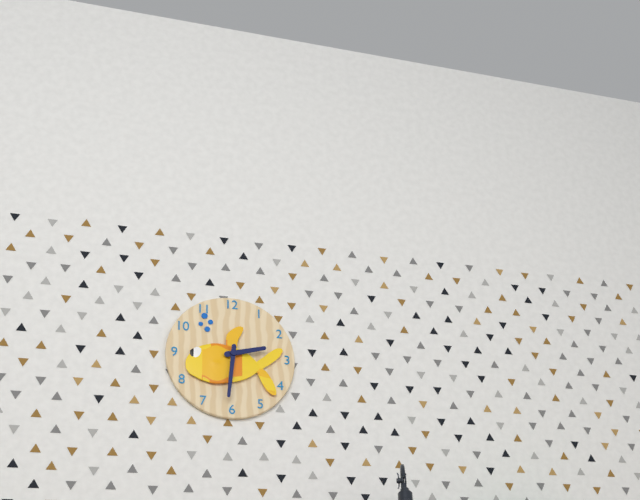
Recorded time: 2:31
